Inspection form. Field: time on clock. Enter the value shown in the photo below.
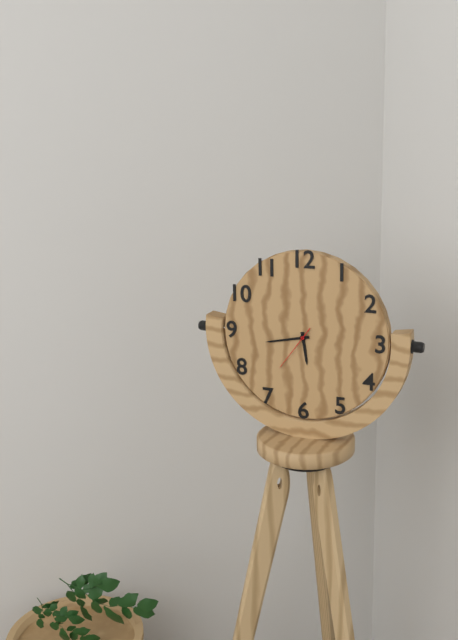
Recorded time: 5:43
